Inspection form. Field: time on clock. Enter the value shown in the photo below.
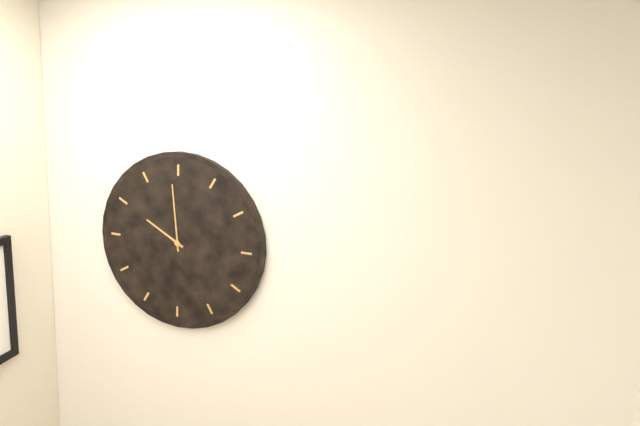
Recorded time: 9:59
